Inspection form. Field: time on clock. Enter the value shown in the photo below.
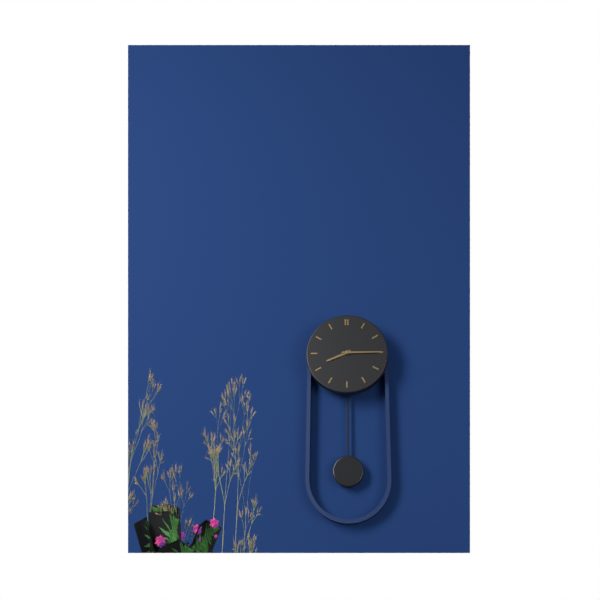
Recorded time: 8:15
